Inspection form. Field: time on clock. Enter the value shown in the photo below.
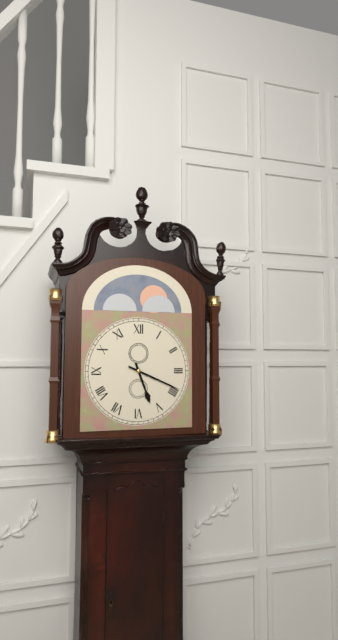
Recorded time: 5:19
